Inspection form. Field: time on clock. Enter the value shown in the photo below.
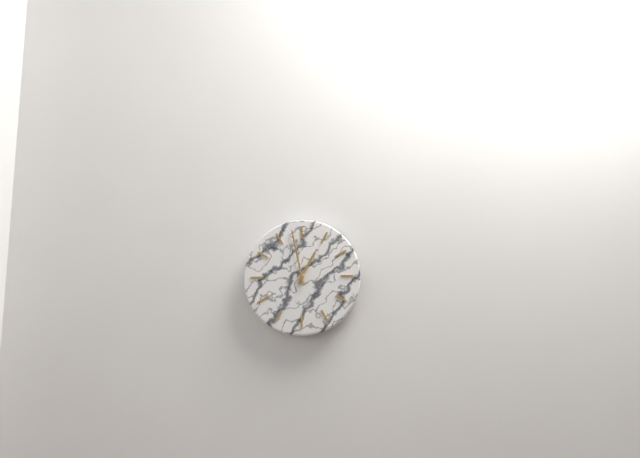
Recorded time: 12:58
